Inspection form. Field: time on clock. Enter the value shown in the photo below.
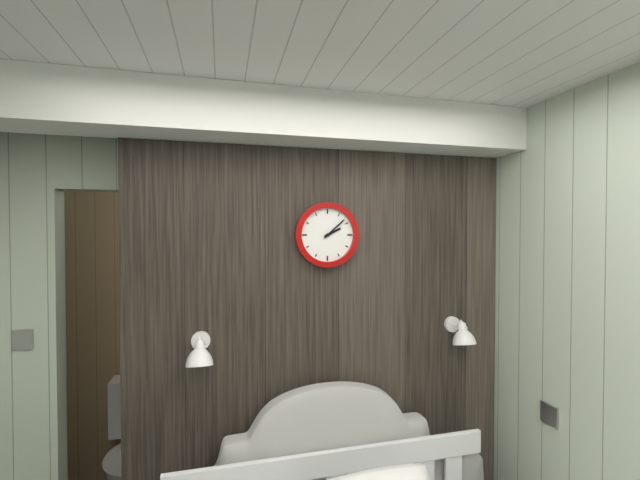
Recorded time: 2:08
